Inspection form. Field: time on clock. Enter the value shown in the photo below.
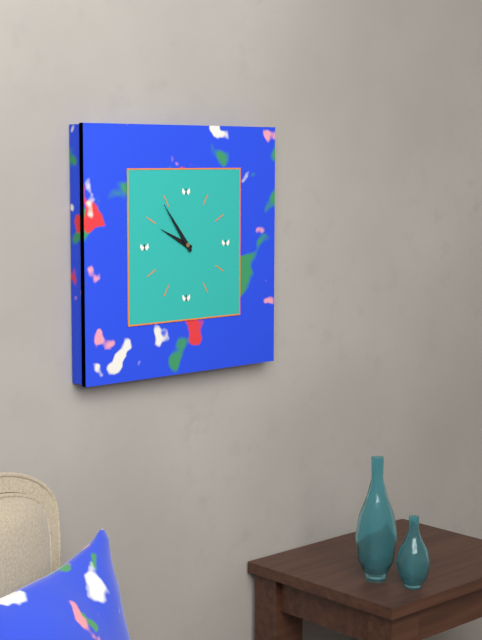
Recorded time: 9:54
